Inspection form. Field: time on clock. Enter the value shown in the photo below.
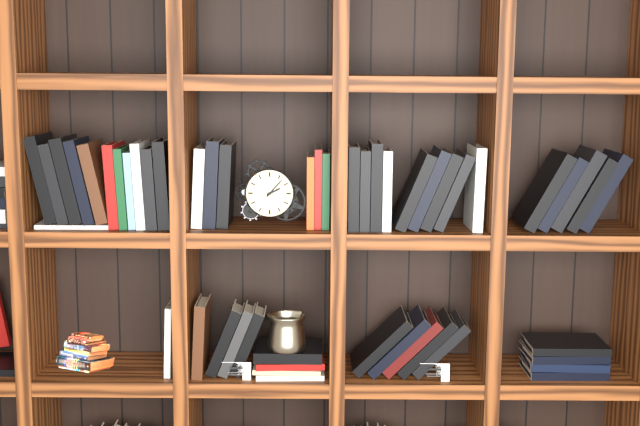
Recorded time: 2:07
